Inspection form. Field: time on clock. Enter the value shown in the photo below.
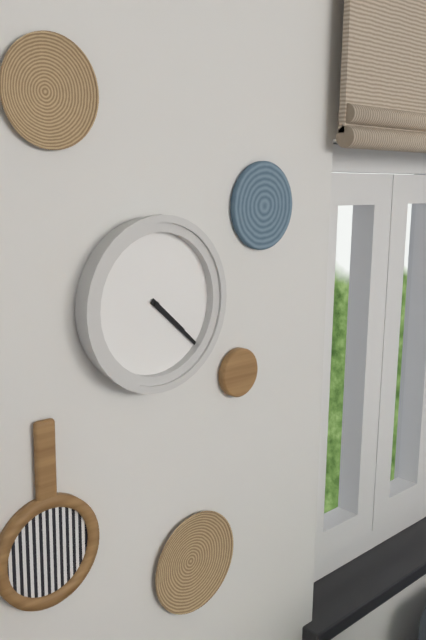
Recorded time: 4:22
